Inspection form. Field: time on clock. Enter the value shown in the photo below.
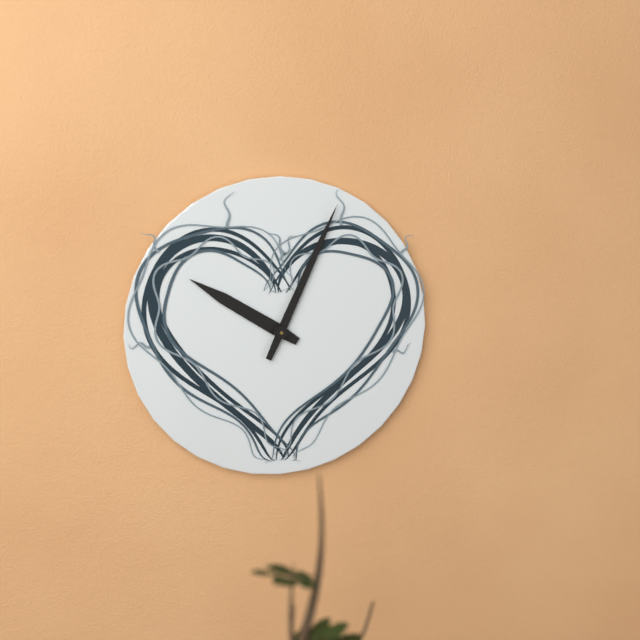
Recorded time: 10:04
